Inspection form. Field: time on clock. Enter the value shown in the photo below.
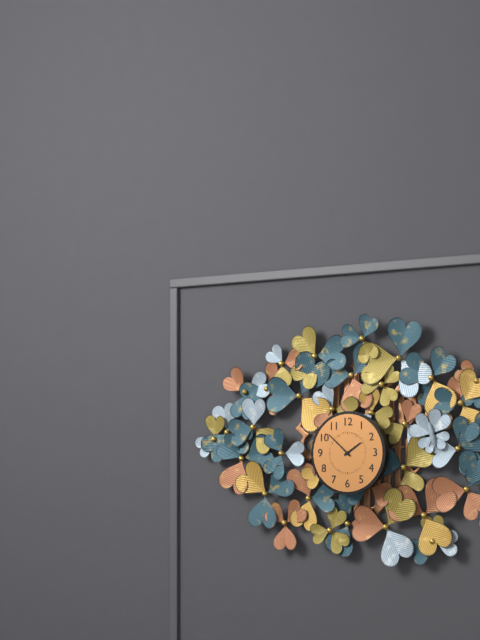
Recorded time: 1:52
